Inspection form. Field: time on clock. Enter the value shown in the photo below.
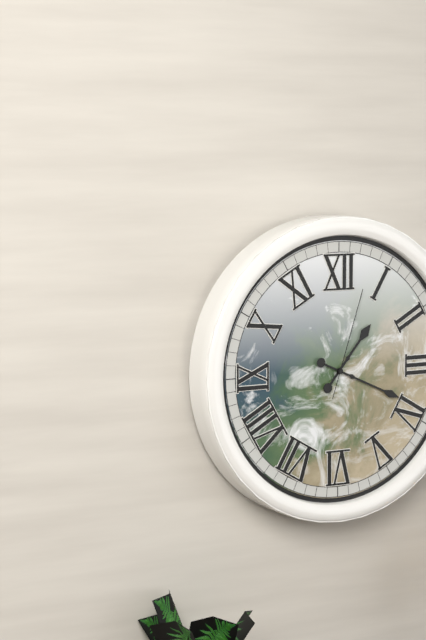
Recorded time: 1:19:03
